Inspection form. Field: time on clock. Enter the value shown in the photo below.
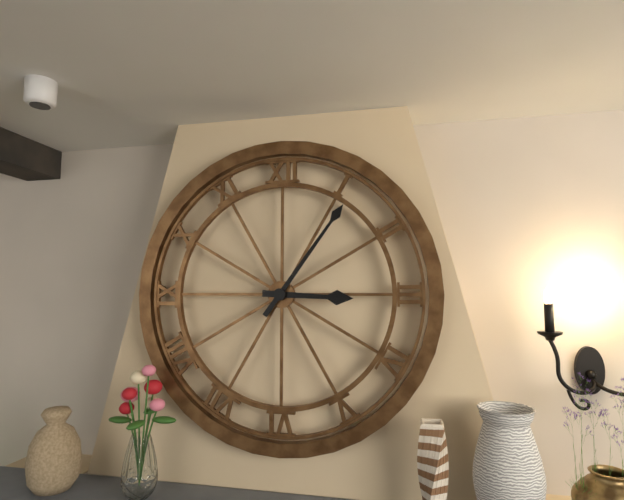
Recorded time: 3:06
